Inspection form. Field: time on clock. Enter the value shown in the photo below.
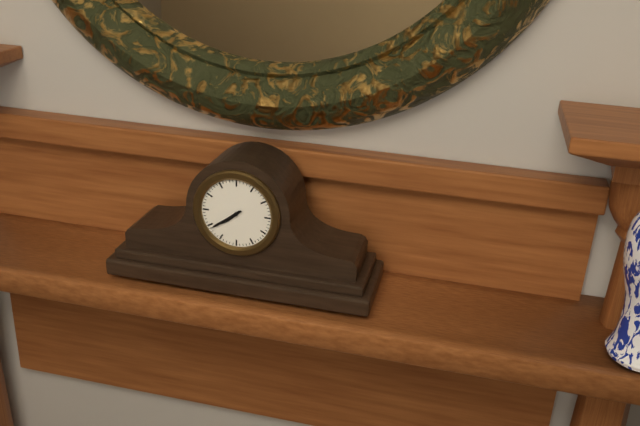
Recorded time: 7:39
